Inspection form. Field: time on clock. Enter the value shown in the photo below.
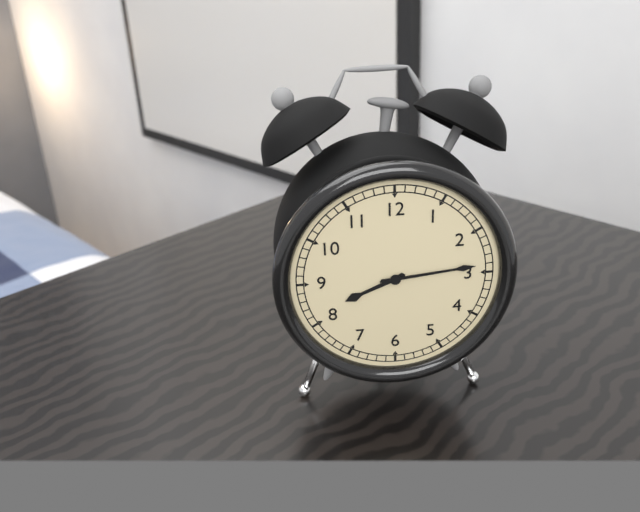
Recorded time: 8:14
